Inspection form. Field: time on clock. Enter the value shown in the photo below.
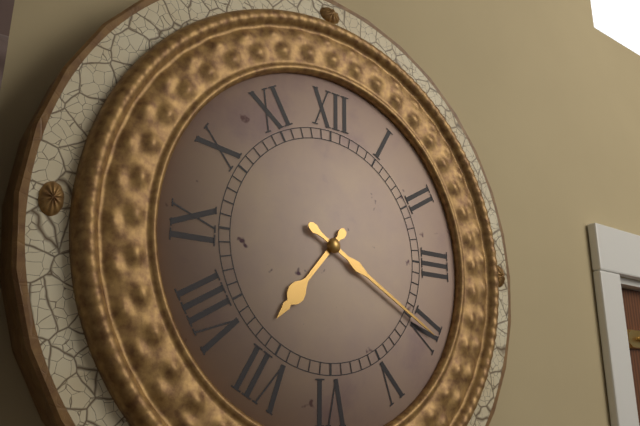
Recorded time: 7:20
